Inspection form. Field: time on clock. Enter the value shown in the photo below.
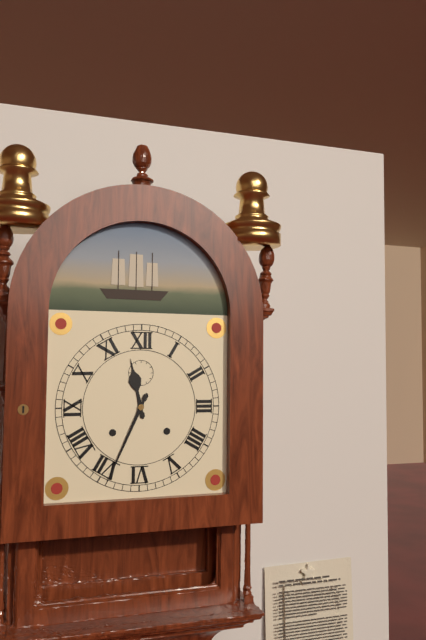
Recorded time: 11:34
